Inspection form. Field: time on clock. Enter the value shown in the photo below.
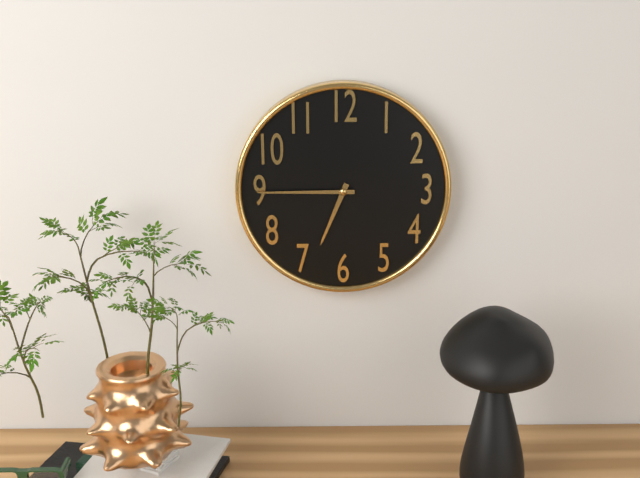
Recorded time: 6:45
